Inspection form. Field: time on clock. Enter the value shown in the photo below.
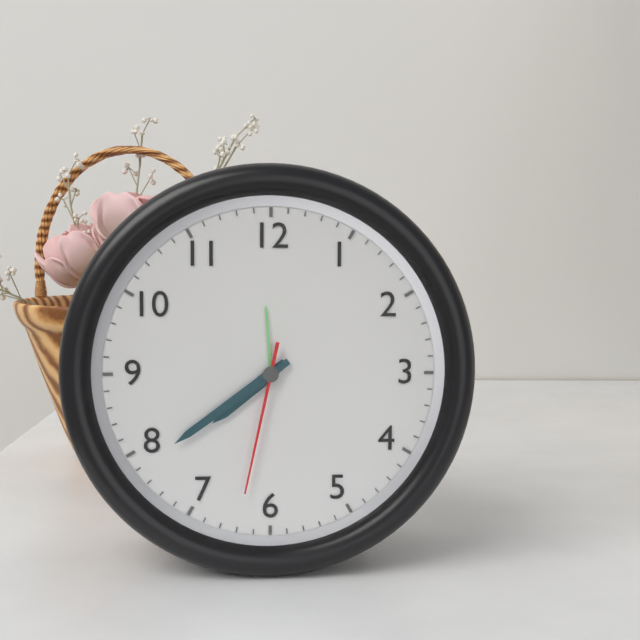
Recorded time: 7:39:32
